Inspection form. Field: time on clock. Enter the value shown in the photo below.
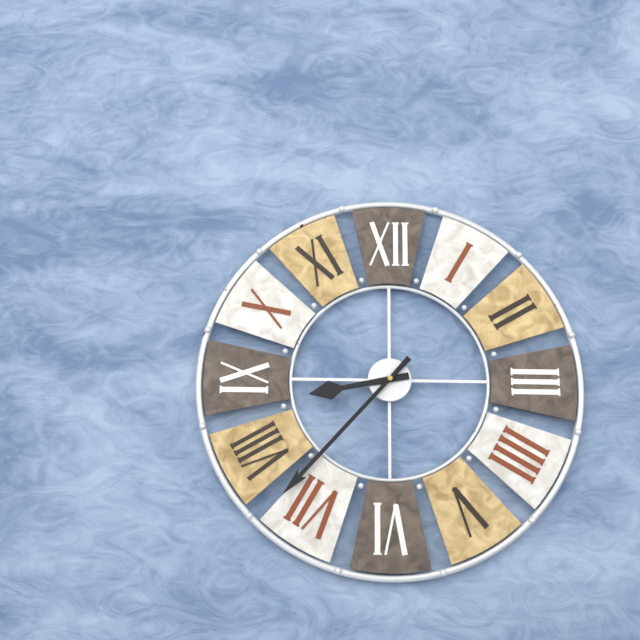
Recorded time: 8:37
